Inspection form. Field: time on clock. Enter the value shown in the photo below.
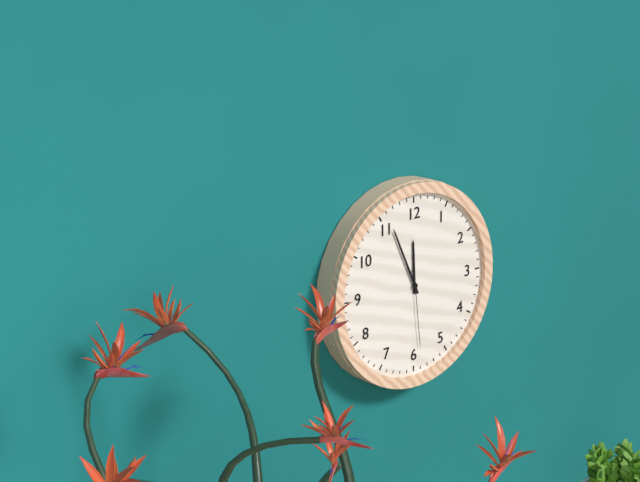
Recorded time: 11:56:29
